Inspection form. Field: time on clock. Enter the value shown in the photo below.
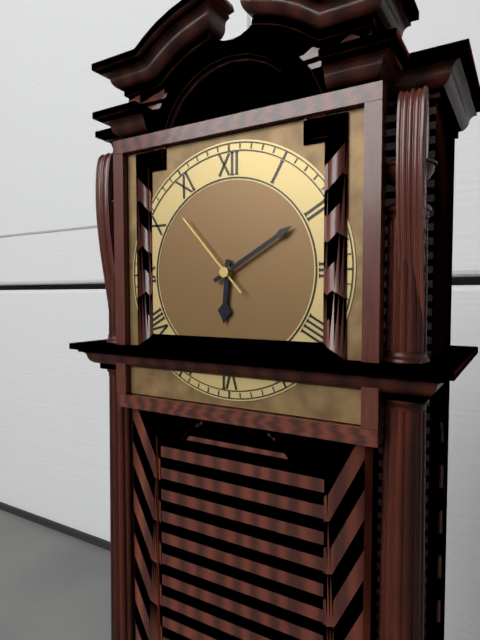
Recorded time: 6:10:53
